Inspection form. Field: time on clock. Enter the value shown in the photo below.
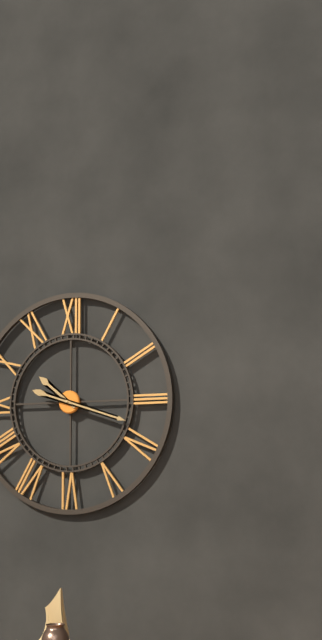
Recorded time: 10:18
